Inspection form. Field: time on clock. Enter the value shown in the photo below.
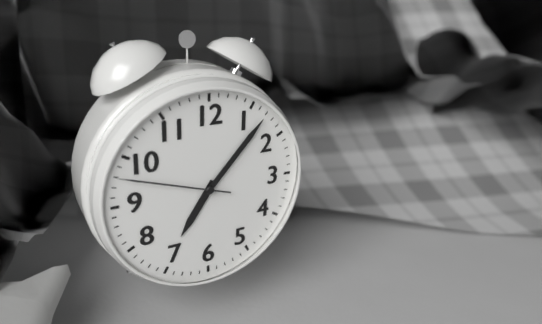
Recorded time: 7:07:48
